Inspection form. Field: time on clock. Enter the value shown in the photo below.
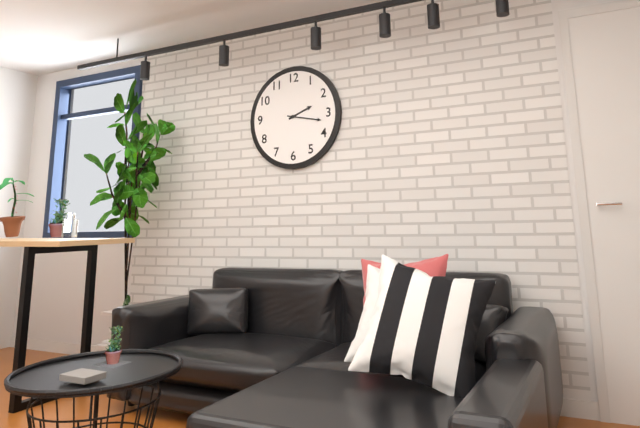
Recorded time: 2:17
